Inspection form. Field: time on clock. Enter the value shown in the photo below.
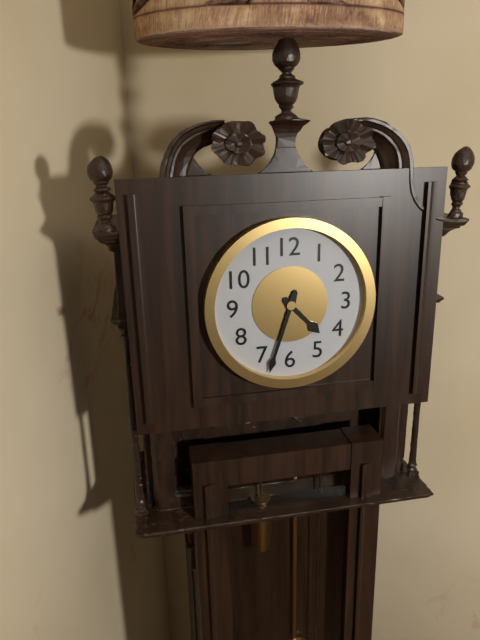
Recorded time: 4:33
